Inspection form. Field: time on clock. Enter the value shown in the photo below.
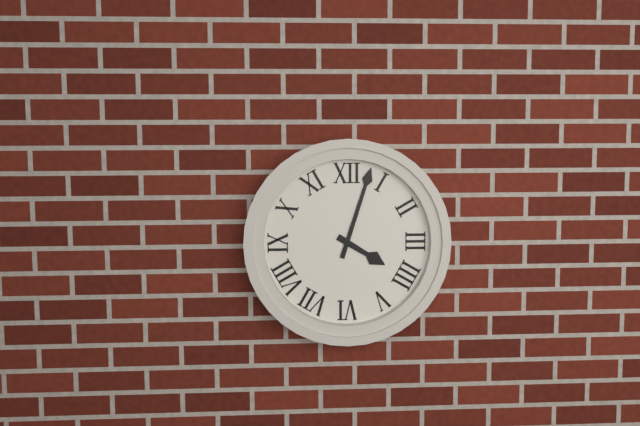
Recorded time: 4:03
